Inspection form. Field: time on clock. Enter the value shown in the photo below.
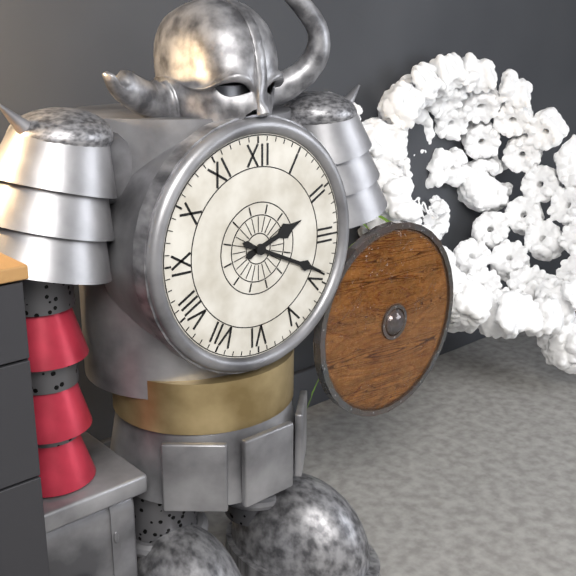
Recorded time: 2:19
